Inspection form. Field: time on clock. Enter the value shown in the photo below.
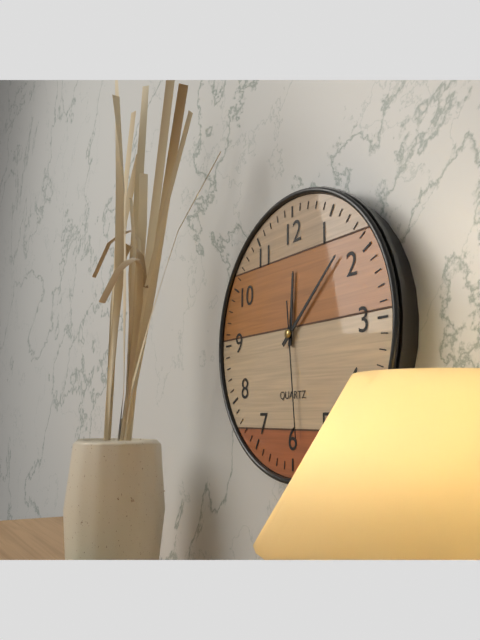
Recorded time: 12:08:29
